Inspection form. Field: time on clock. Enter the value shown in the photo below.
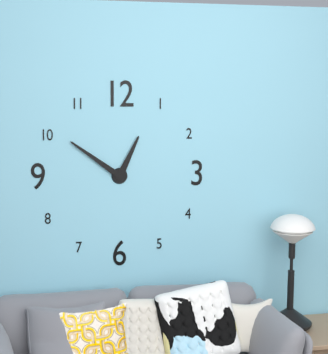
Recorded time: 12:51
